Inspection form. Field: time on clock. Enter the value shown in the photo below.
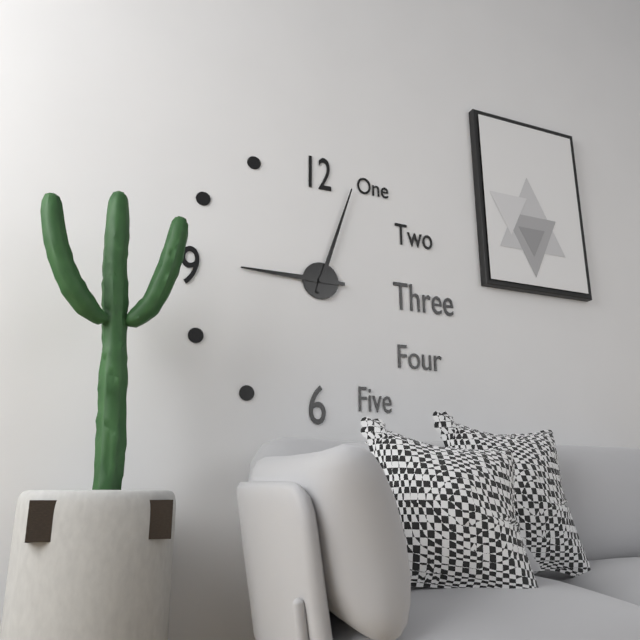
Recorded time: 9:03
